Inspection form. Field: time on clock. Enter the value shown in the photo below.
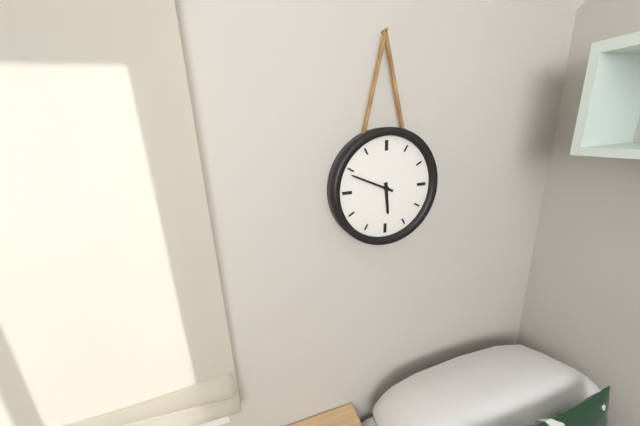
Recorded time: 5:49
